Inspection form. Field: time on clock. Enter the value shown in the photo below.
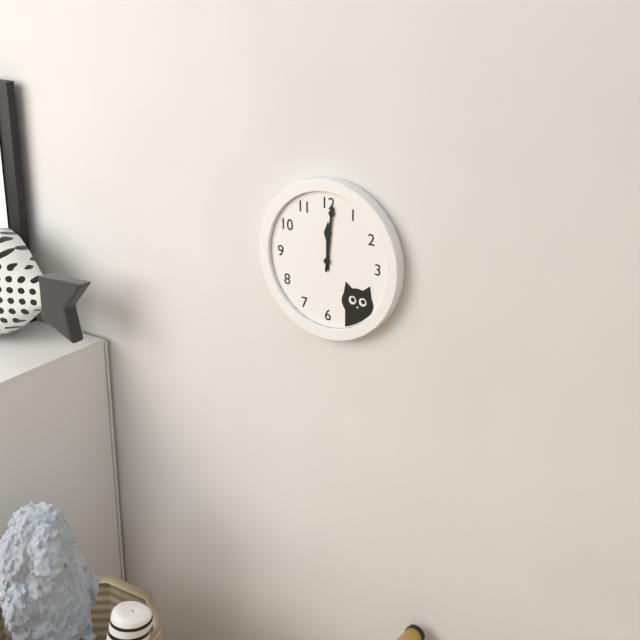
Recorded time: 12:01
